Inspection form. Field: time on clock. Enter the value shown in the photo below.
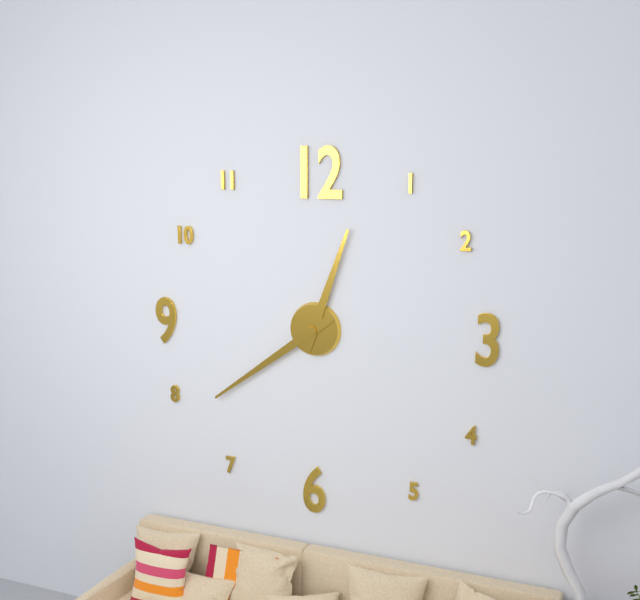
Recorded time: 12:39
